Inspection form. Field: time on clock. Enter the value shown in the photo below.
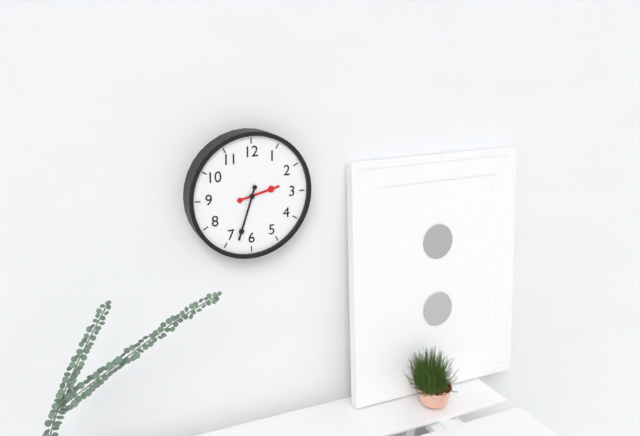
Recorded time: 2:33
